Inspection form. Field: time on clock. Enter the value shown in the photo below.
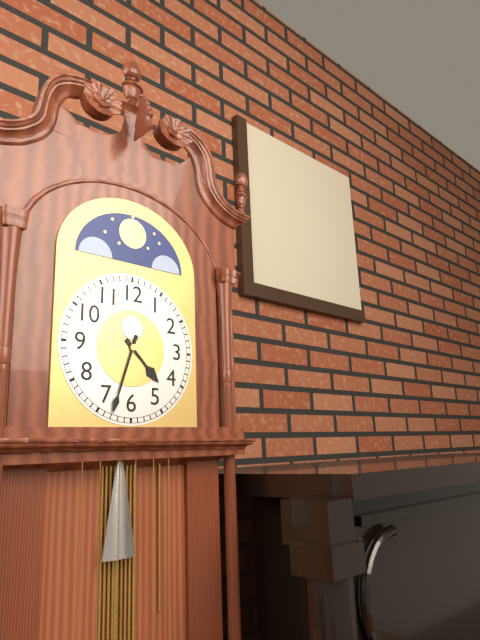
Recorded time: 4:33
